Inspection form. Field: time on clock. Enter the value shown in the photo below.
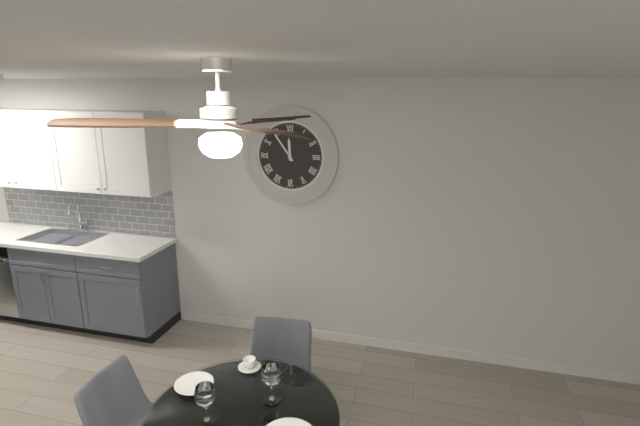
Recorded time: 11:54
